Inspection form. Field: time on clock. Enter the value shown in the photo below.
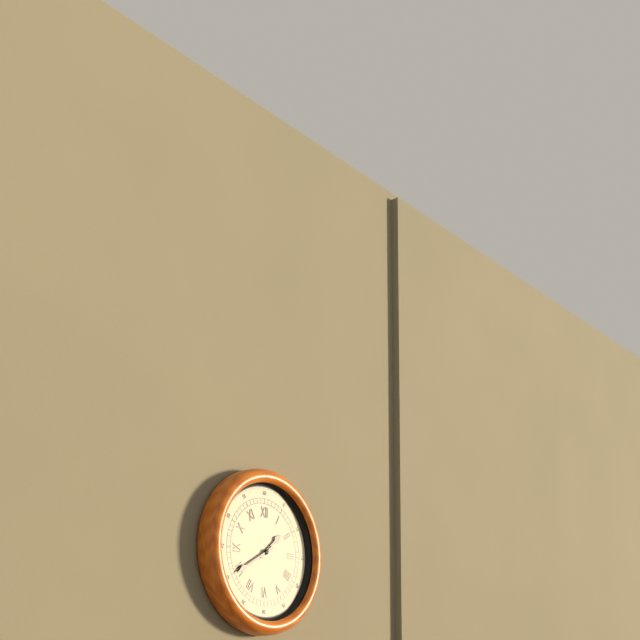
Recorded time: 1:40
